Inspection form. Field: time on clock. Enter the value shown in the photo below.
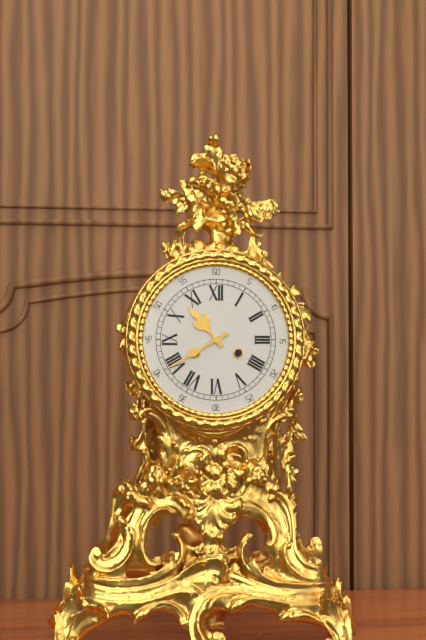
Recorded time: 10:40
